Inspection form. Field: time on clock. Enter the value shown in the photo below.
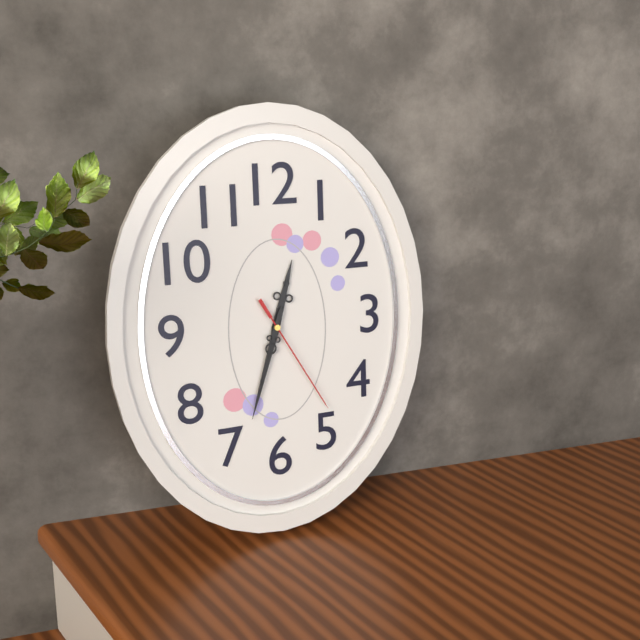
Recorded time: 12:33:25
